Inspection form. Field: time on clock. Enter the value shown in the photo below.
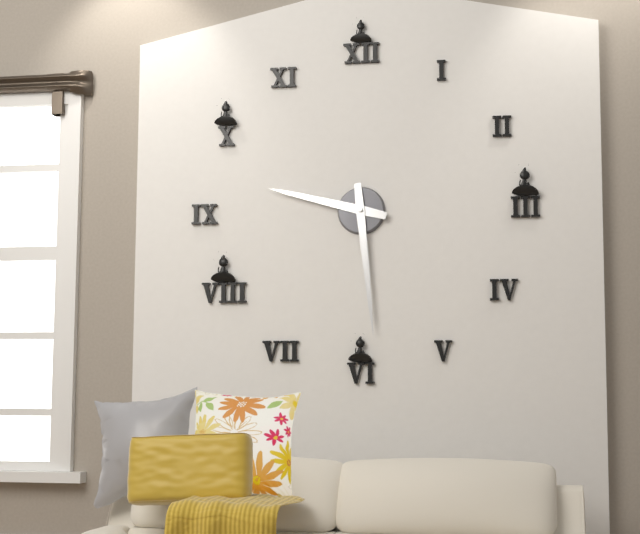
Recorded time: 9:29
